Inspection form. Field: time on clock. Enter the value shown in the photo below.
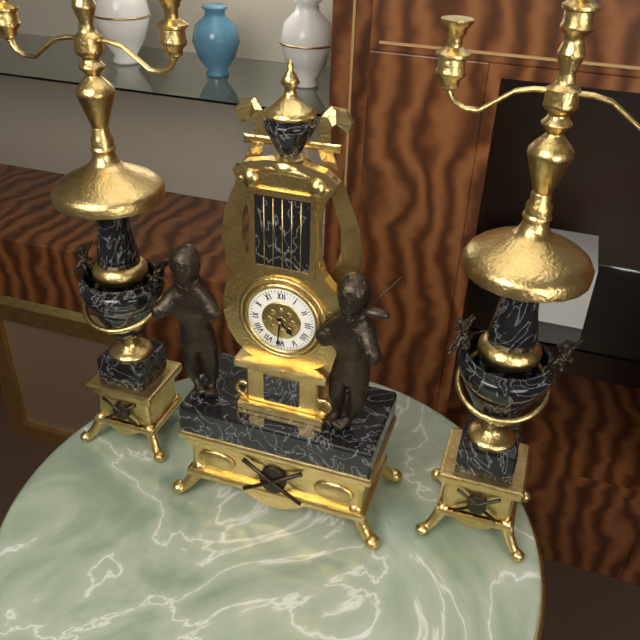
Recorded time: 4:31
